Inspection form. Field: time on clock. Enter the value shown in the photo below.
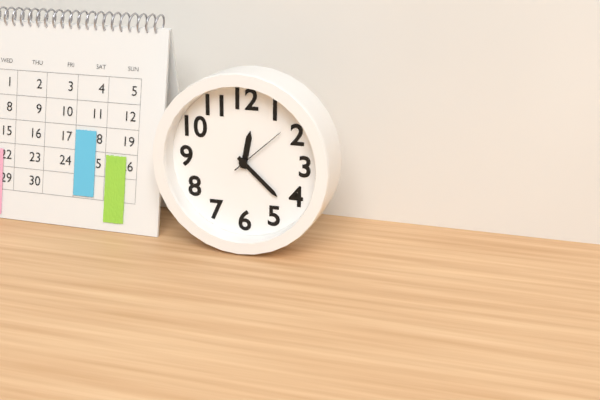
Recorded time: 12:22:08
